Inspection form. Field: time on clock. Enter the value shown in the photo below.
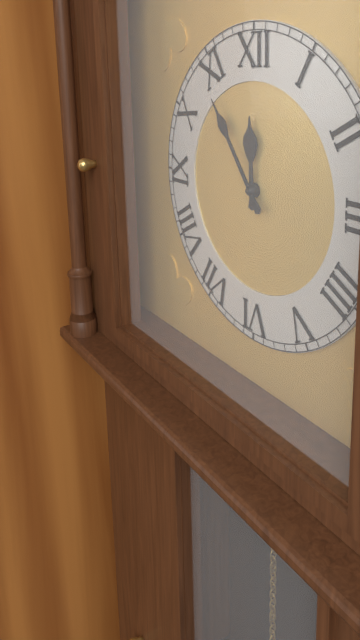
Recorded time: 11:54
